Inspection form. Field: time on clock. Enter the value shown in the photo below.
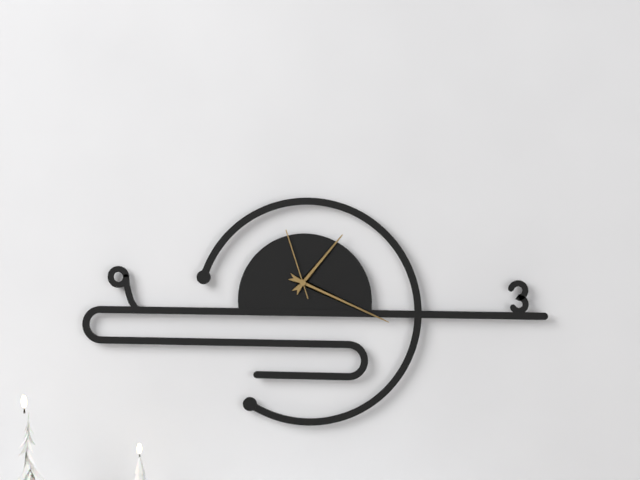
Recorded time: 1:19:57
